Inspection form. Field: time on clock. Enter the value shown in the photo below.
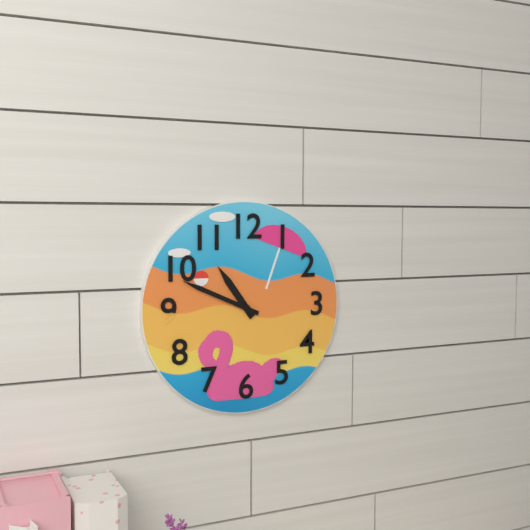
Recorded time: 10:49
